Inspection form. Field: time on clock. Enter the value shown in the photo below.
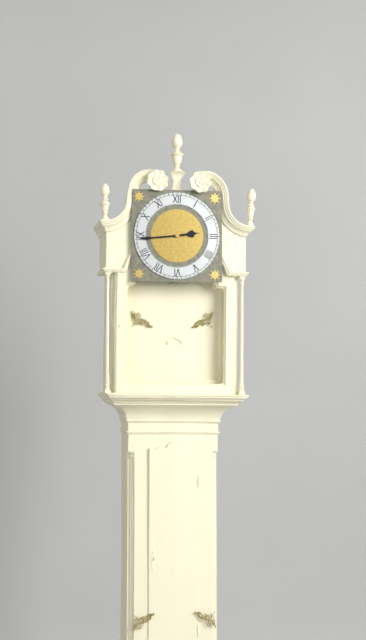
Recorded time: 2:44
